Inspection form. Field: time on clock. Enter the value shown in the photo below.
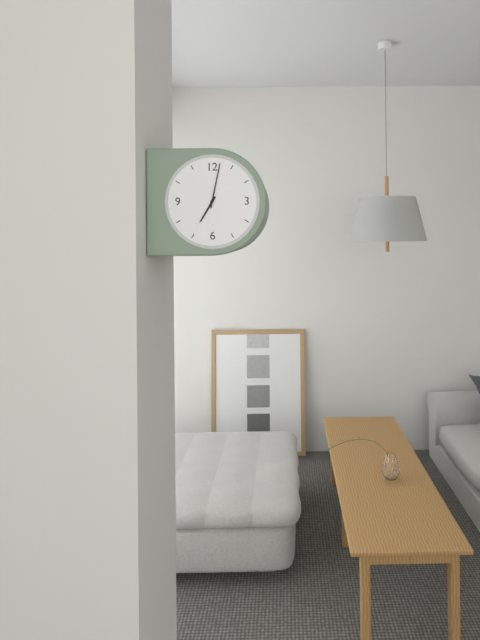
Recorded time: 7:02
